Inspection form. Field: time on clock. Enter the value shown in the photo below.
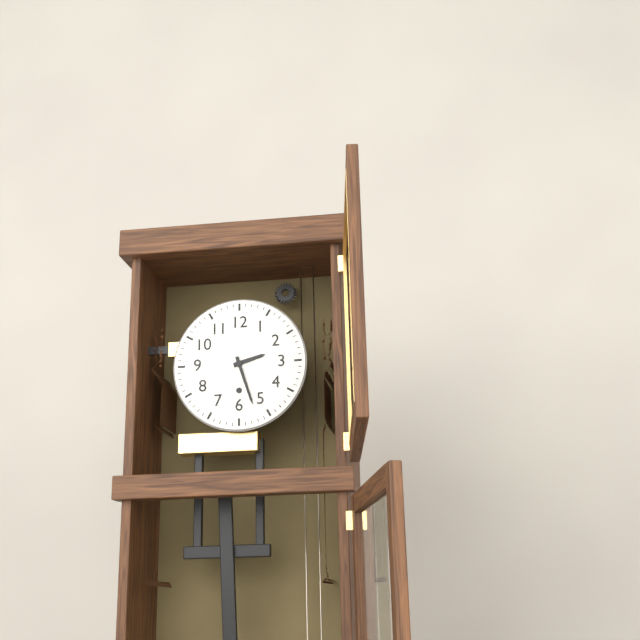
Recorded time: 2:27
